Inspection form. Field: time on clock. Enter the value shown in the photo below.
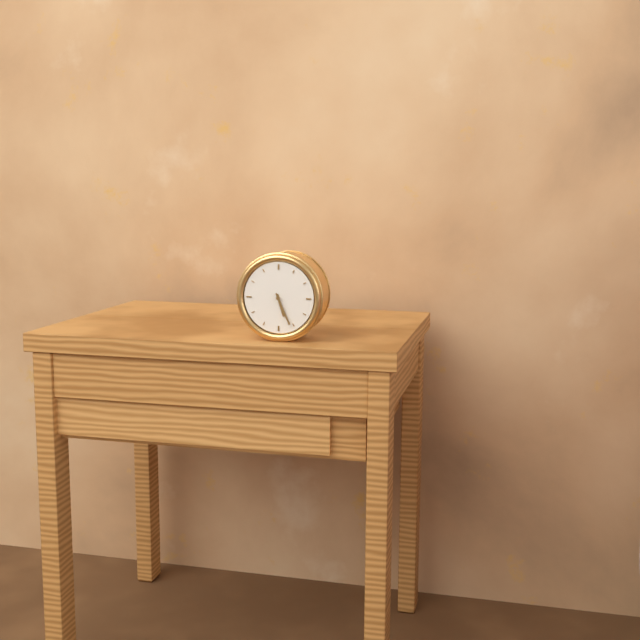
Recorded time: 5:26
